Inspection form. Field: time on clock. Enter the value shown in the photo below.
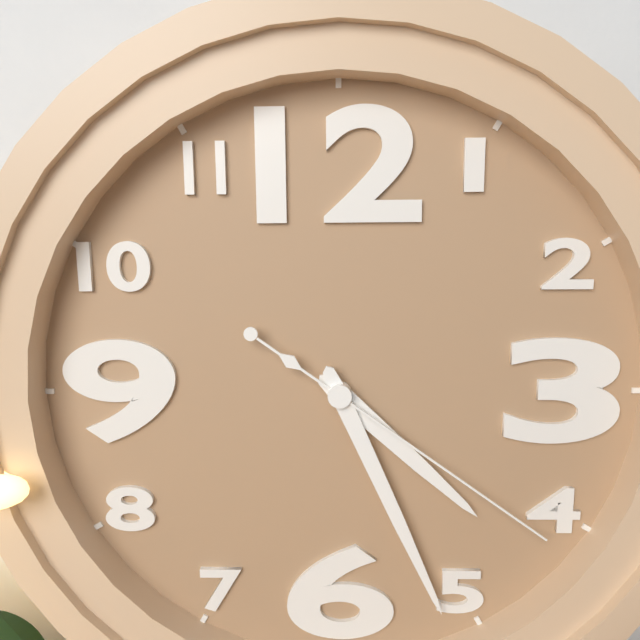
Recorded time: 4:26:21
